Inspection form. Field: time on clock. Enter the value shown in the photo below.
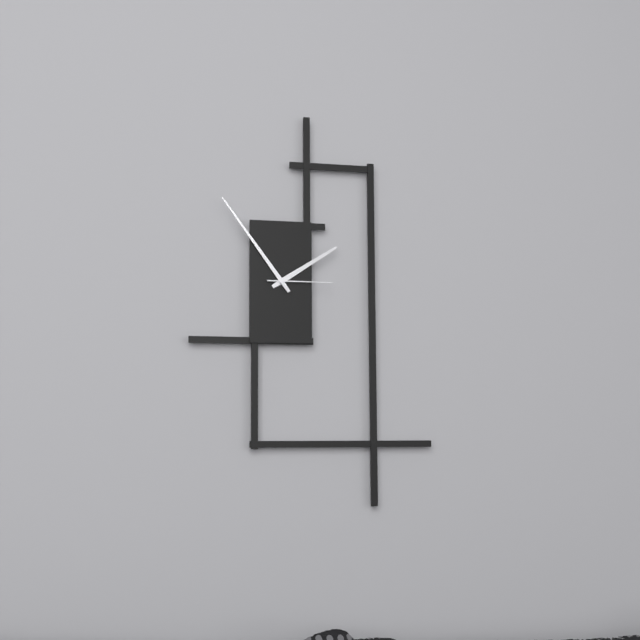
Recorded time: 1:54:15
